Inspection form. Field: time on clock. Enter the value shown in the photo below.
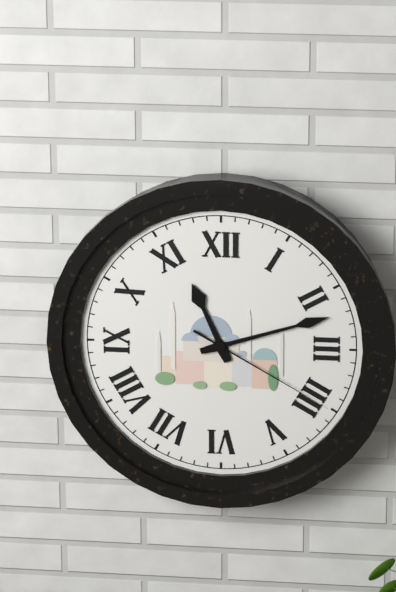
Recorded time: 11:12:20
